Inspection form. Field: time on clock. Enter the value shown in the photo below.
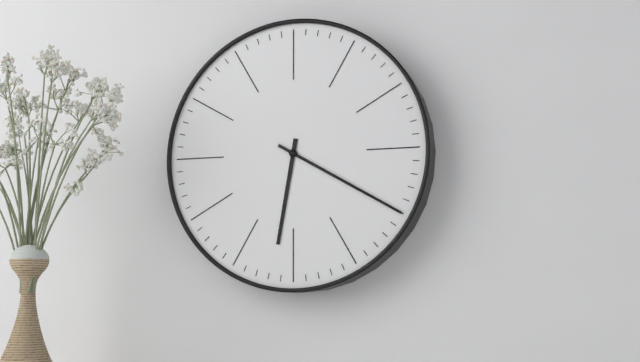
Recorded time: 6:20
